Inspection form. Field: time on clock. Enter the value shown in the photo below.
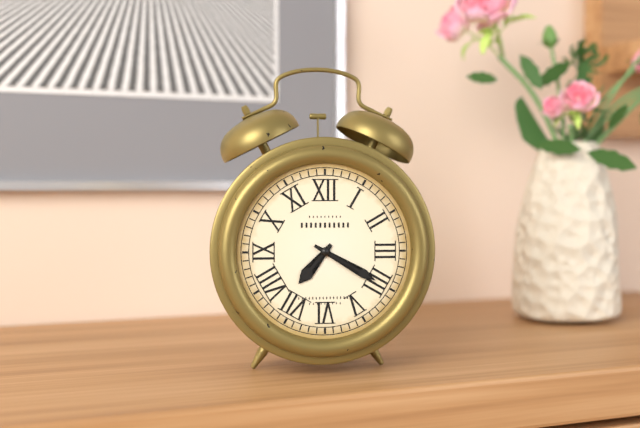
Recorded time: 7:20
